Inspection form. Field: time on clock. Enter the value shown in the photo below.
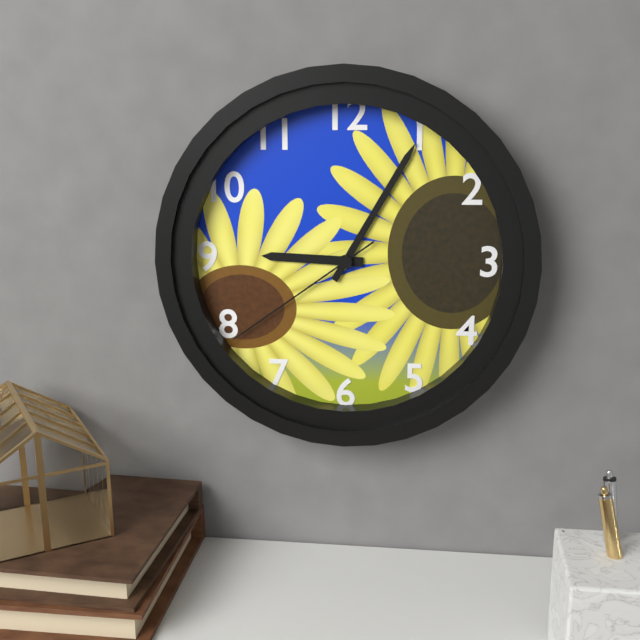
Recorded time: 9:05:39
